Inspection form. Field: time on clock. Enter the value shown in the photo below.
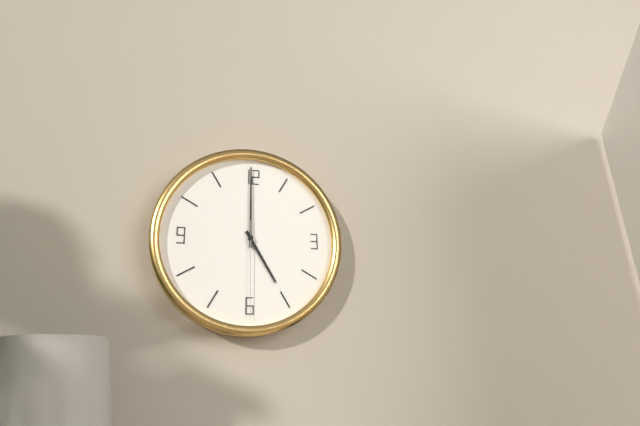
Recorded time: 5:00:30
